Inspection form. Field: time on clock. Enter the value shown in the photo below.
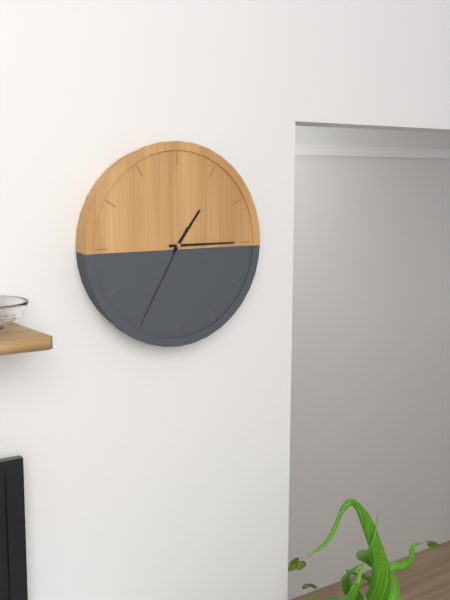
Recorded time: 1:15:35
